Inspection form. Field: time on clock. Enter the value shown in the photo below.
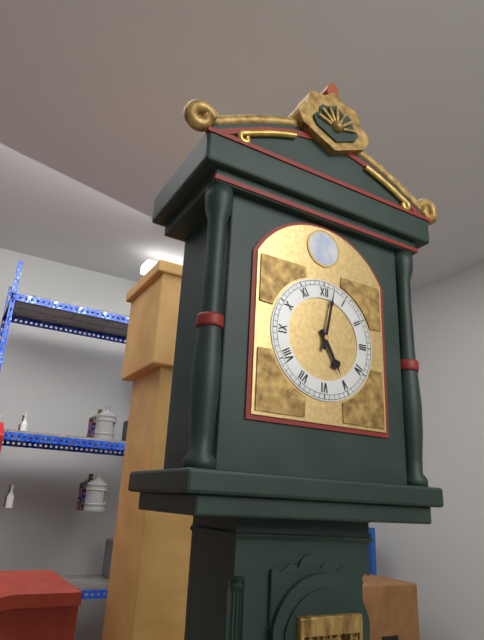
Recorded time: 5:02
